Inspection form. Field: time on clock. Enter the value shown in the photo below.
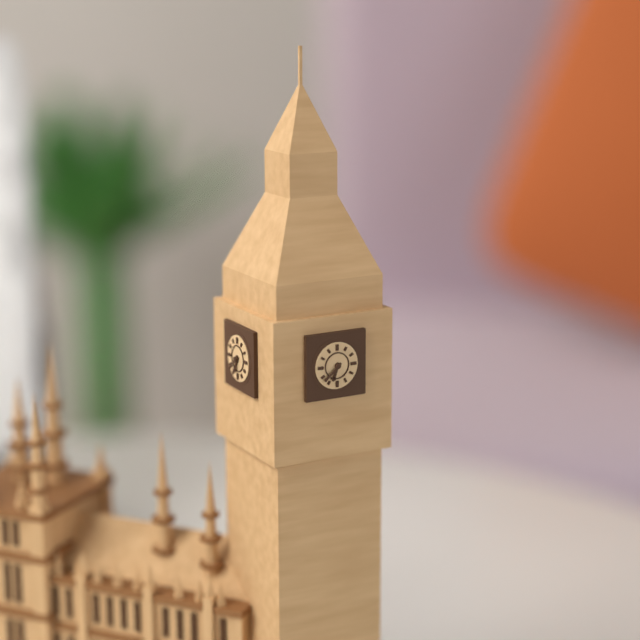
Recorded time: 6:38
